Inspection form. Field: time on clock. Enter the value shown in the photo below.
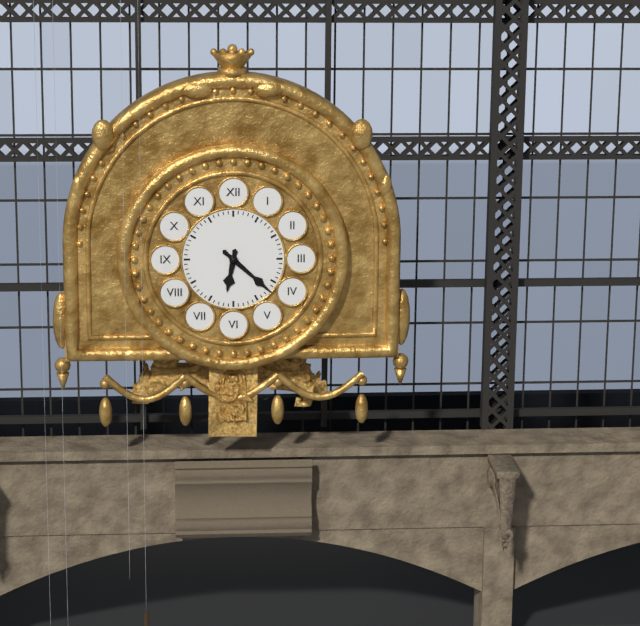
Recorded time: 6:22
